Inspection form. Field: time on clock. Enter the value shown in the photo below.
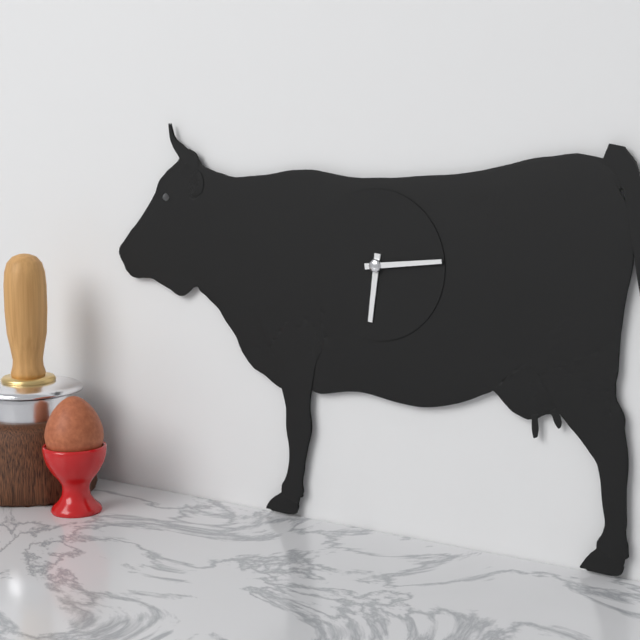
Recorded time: 6:14
